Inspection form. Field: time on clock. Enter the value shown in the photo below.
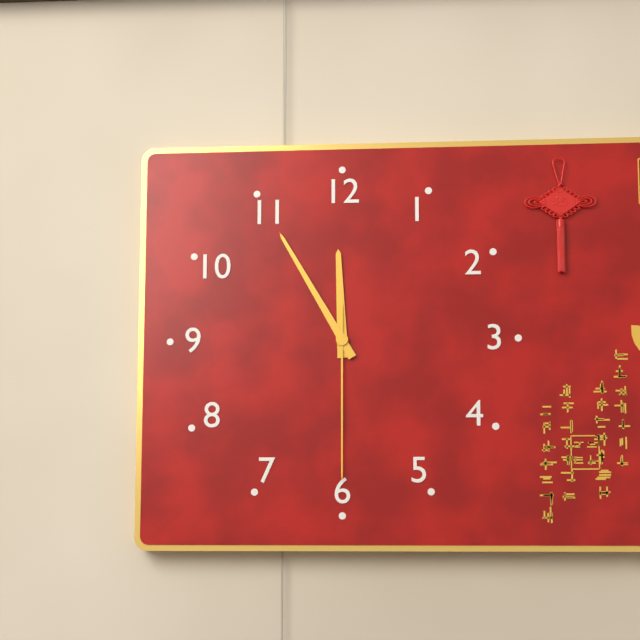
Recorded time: 11:55:30
